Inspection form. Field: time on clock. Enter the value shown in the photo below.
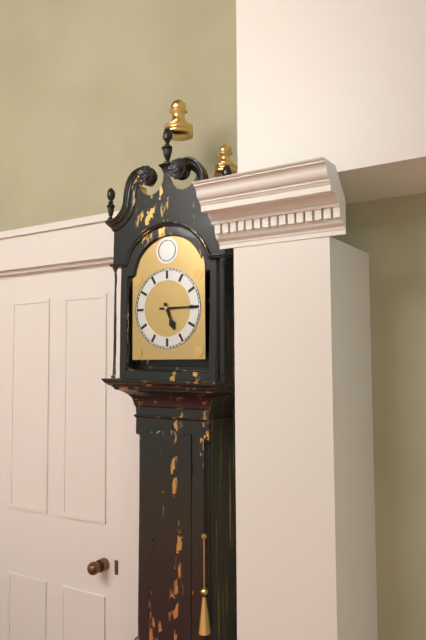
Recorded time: 5:15
